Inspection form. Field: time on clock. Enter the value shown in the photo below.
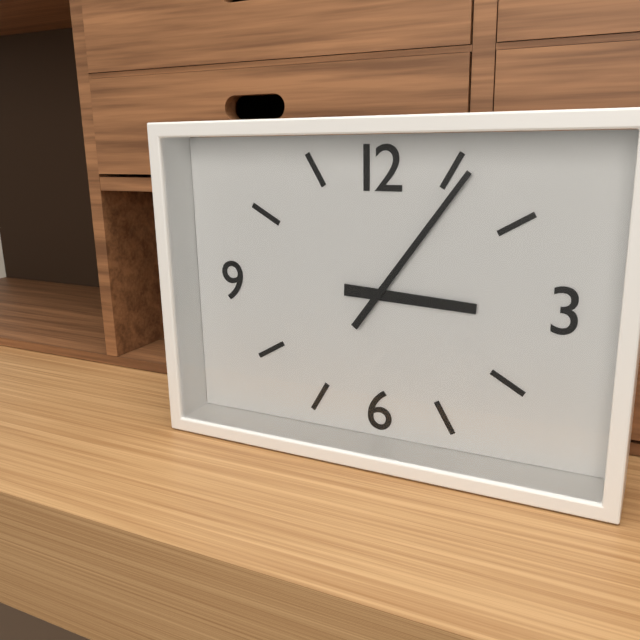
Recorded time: 3:06
